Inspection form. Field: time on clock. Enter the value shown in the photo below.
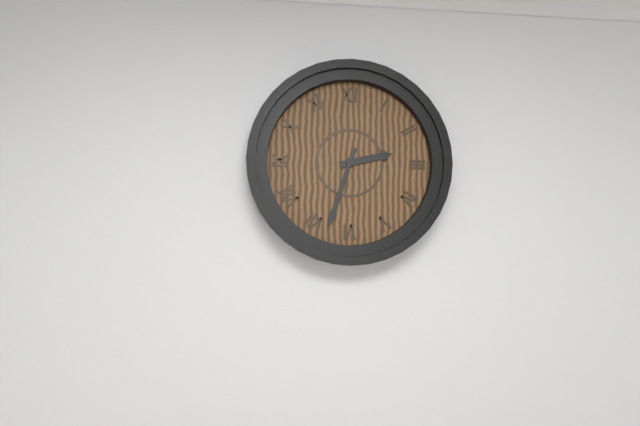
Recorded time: 2:33
